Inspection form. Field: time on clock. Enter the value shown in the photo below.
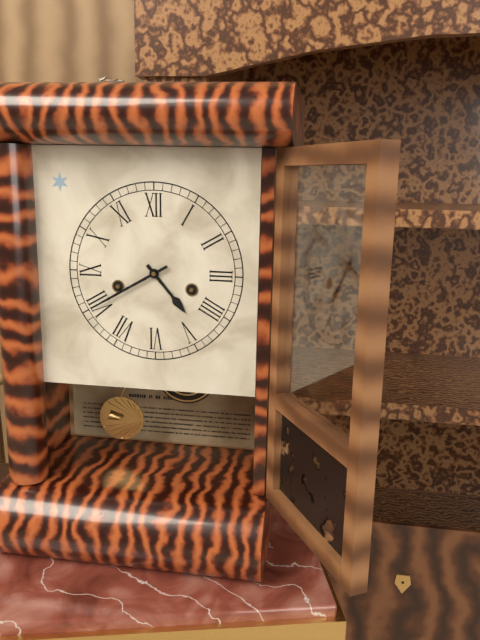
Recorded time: 4:40
